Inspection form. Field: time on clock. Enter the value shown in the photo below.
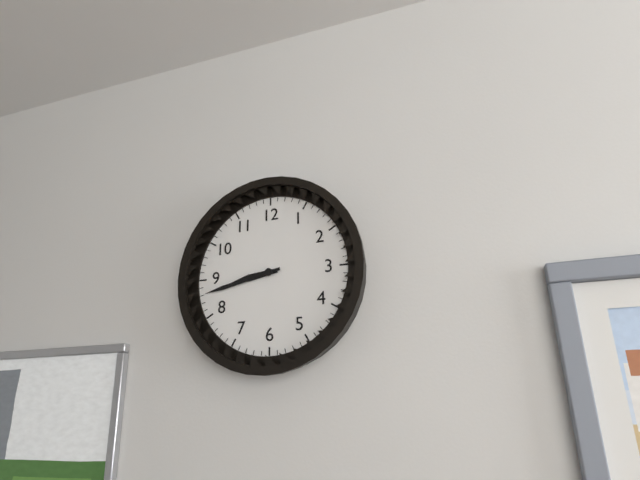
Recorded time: 8:43
